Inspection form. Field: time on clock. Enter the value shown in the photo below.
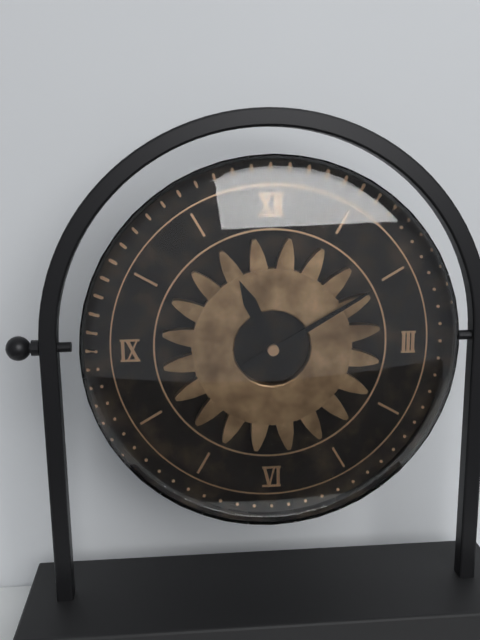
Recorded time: 11:10
